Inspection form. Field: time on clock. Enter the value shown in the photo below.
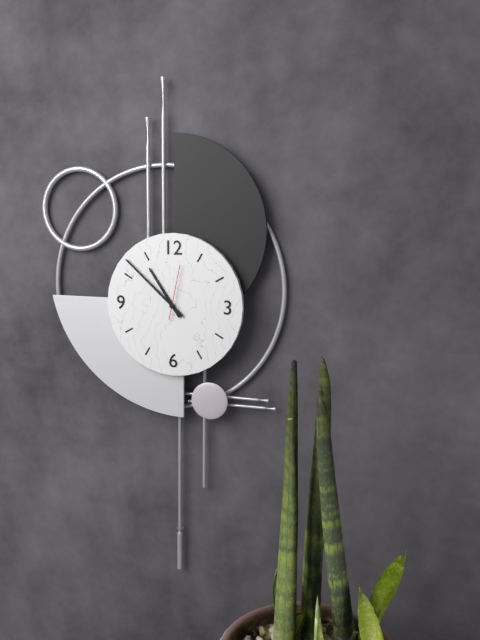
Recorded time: 10:52:02
